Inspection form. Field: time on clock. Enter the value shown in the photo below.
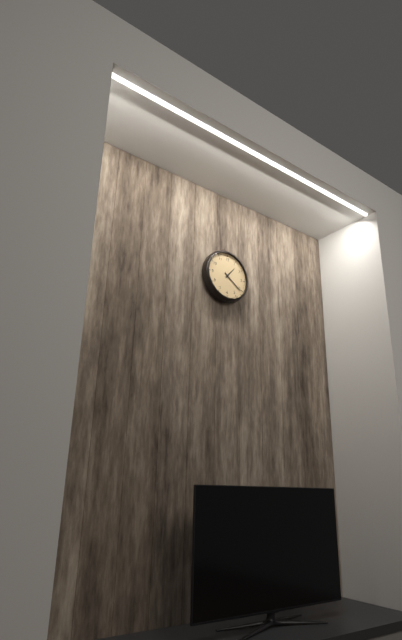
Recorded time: 1:21
